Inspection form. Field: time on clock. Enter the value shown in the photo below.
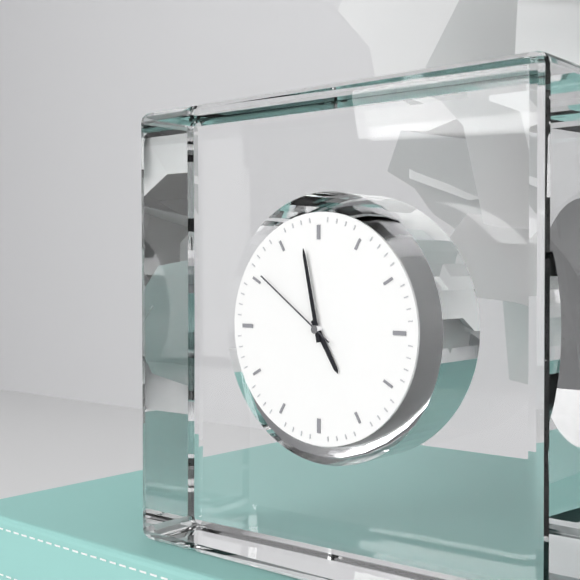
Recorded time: 4:58:51
